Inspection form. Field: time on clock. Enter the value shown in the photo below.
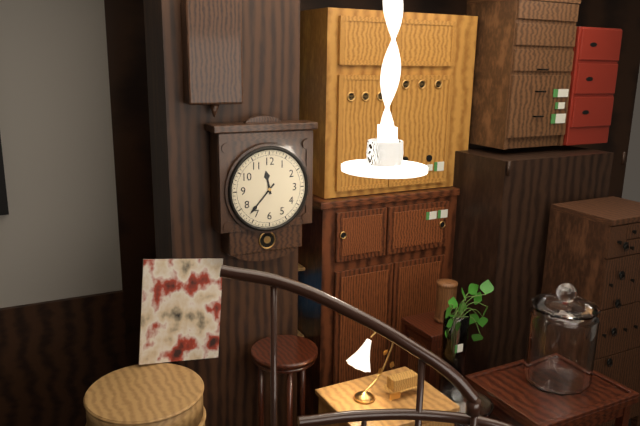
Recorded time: 11:37
